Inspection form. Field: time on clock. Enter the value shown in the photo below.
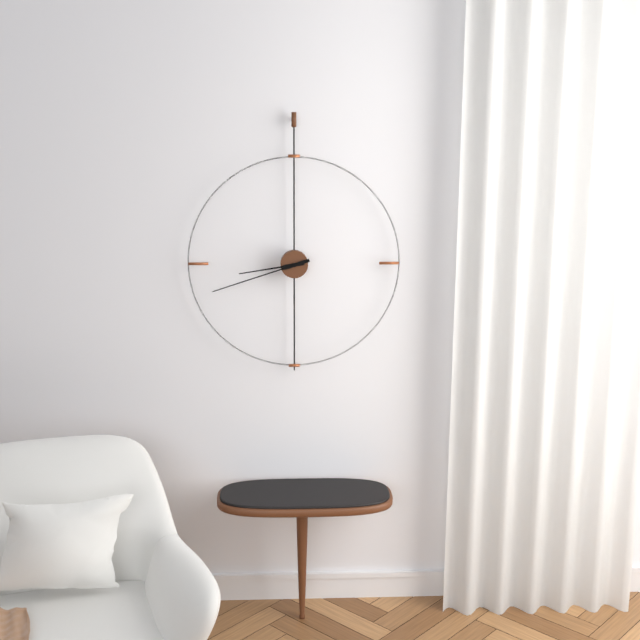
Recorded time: 8:42
